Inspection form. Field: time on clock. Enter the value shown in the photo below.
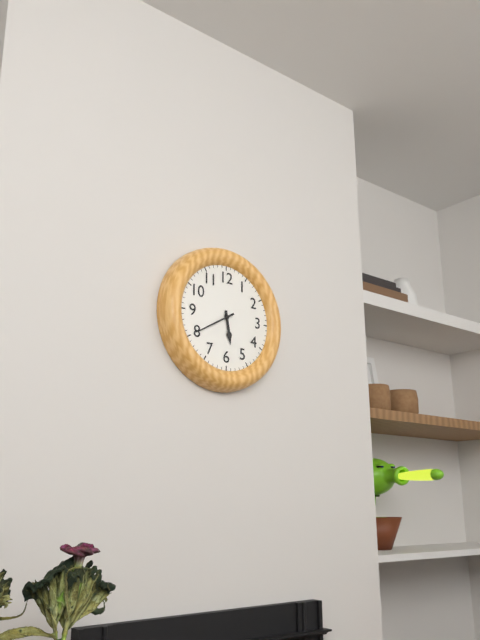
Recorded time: 5:40
